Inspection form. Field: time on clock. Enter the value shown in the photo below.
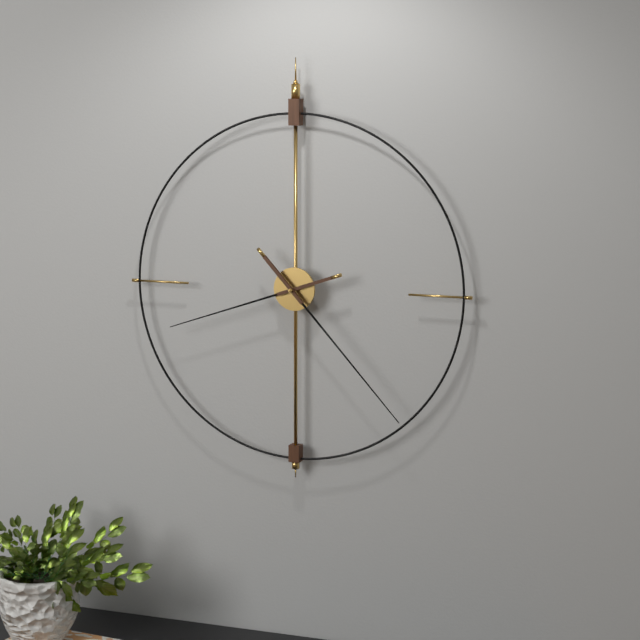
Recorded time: 8:23
